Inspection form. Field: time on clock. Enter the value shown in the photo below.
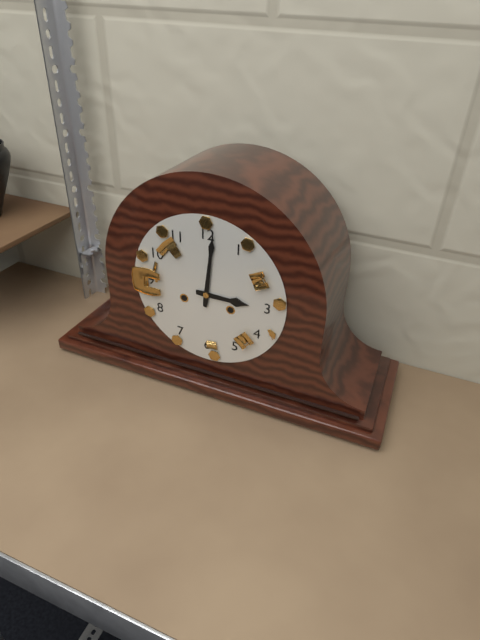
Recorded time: 3:01
